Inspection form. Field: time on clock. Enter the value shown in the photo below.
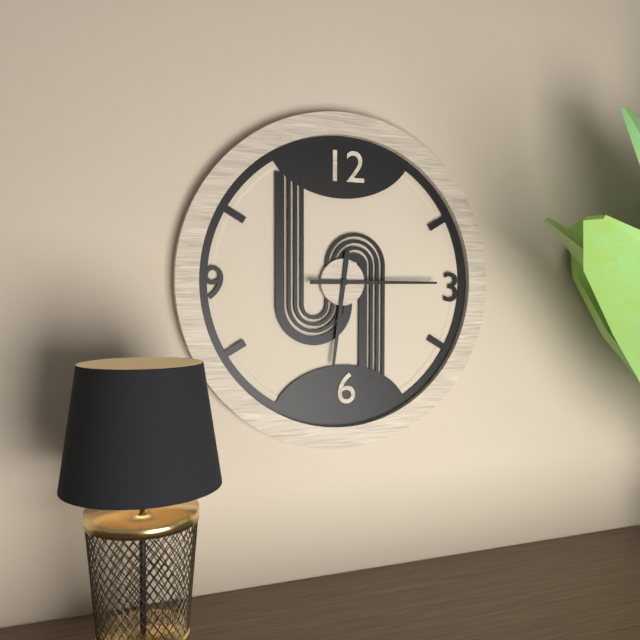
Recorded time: 6:15
